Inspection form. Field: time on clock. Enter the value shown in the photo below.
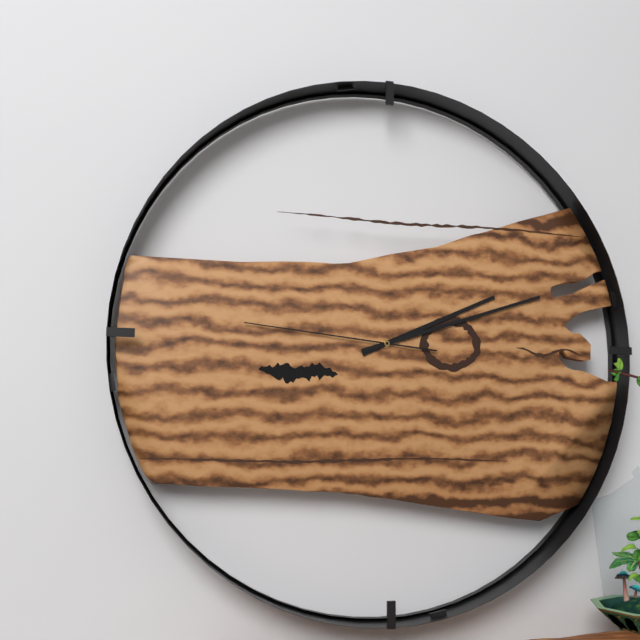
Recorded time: 2:12:46
